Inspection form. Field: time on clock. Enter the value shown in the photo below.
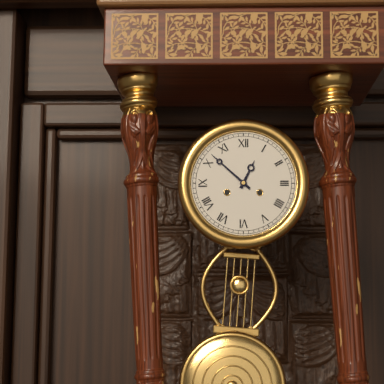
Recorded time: 12:52
